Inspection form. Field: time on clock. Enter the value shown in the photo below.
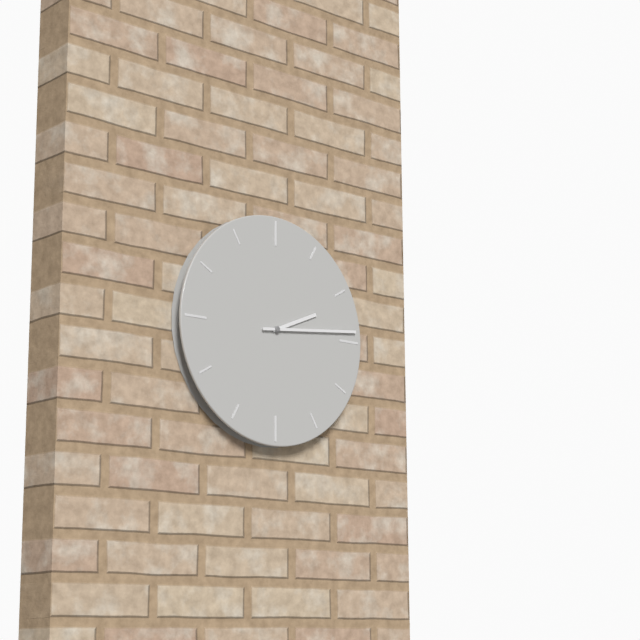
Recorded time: 2:14
